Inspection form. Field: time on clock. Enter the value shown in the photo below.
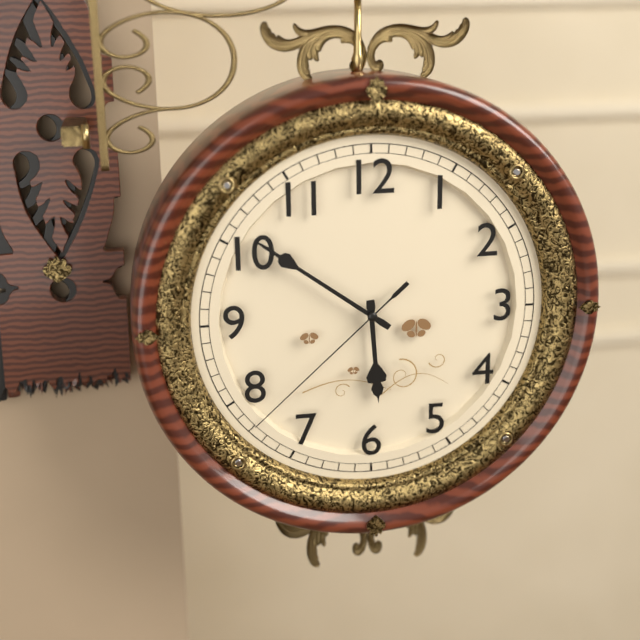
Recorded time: 5:51:38
